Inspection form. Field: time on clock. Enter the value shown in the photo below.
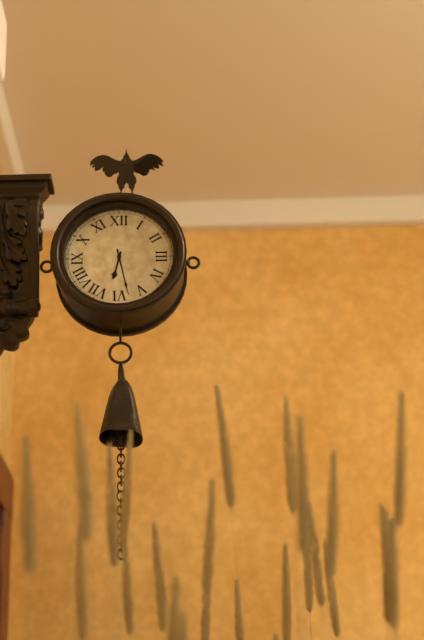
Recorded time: 6:28
